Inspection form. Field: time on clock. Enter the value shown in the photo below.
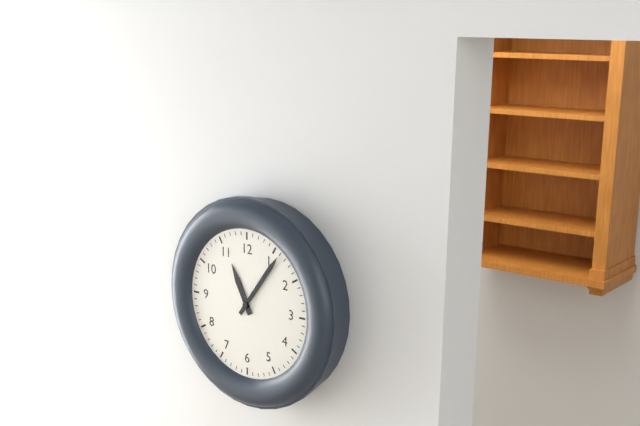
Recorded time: 11:06
